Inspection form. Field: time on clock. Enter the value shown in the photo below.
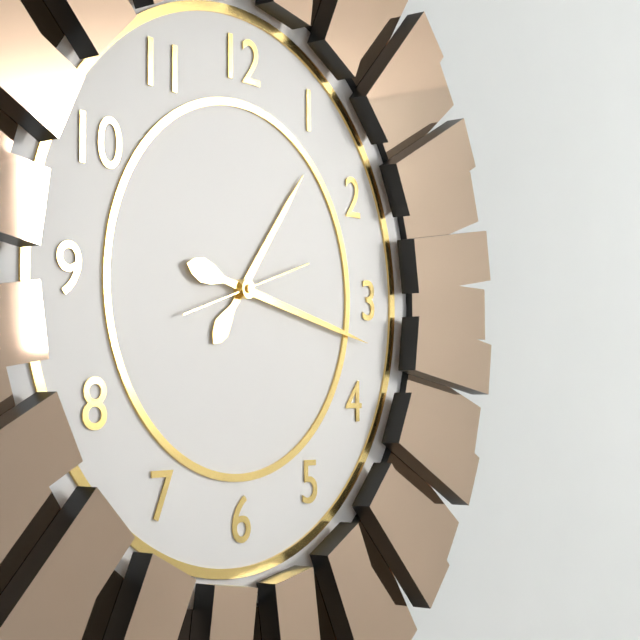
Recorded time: 1:17:12
